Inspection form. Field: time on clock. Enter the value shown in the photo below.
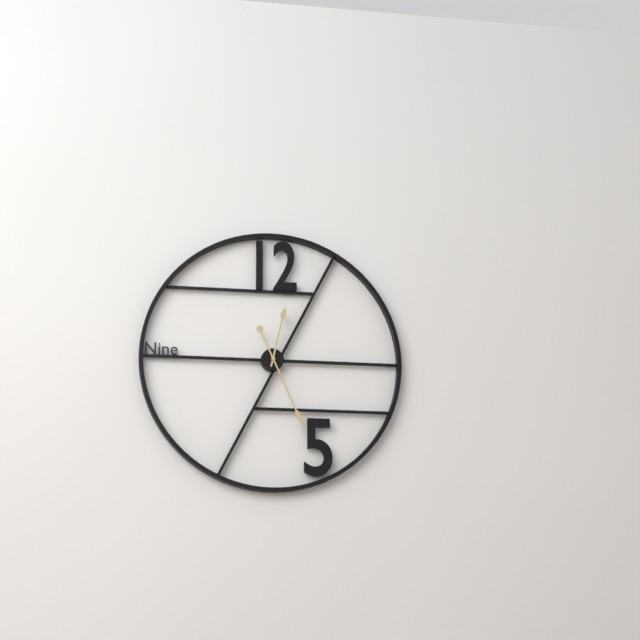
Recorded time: 12:26
